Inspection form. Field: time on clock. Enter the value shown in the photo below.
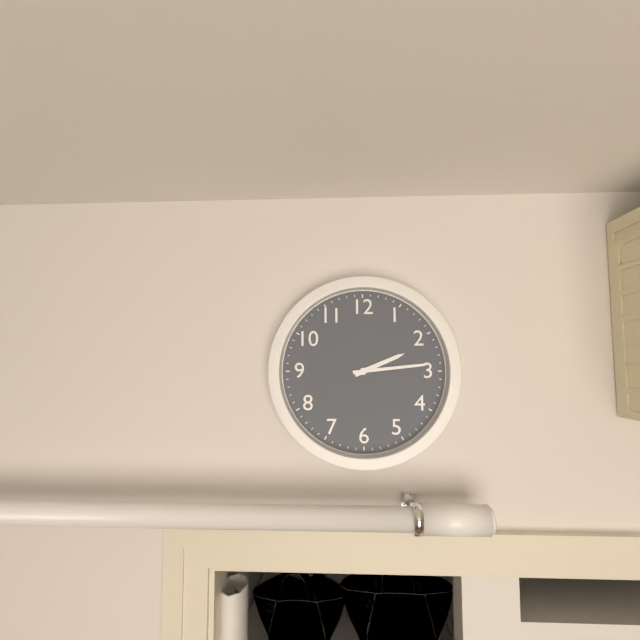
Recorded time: 2:14
